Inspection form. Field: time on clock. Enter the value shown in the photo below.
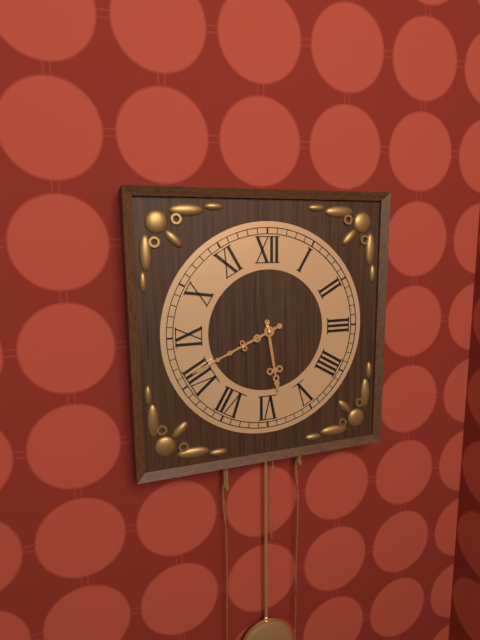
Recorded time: 5:41
